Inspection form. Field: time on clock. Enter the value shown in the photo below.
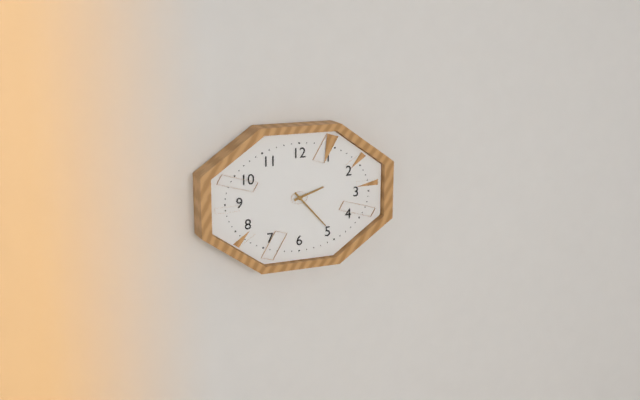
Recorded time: 2:23
